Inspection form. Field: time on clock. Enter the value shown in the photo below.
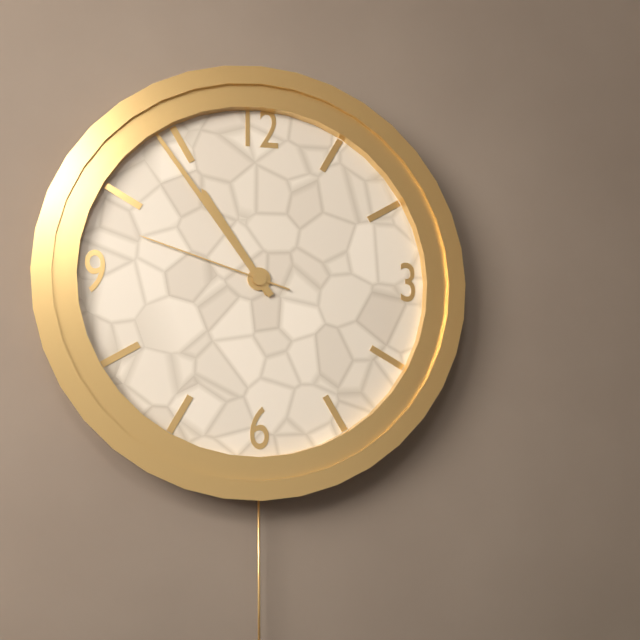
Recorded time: 10:54:48
